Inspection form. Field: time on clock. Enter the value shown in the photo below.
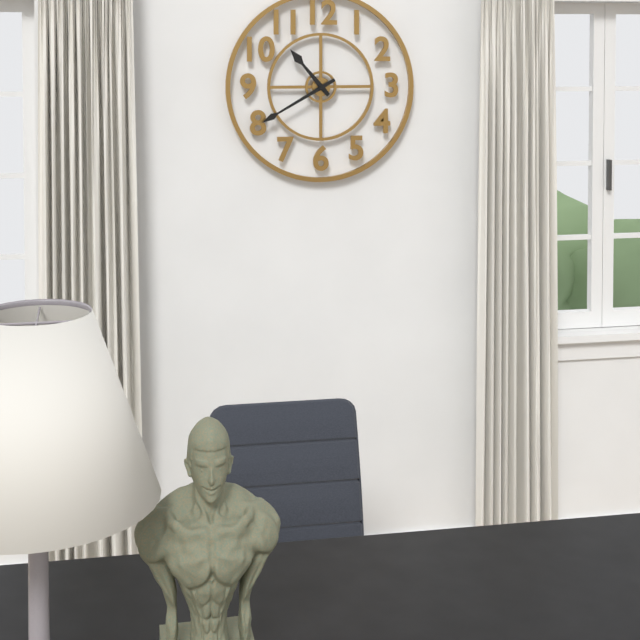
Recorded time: 10:40
